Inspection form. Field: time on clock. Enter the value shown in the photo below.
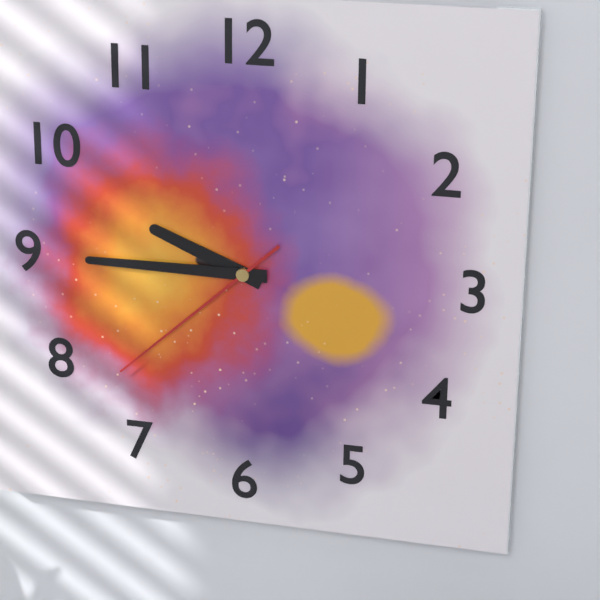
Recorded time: 9:45:38
